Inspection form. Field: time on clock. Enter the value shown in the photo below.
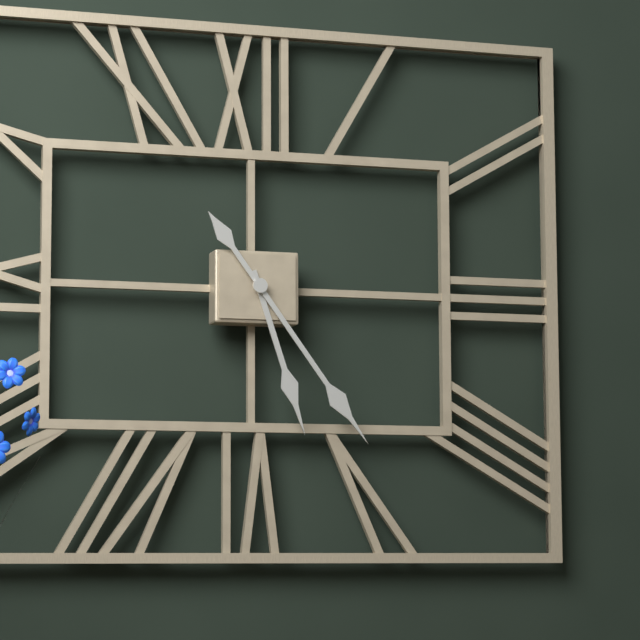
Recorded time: 5:24
